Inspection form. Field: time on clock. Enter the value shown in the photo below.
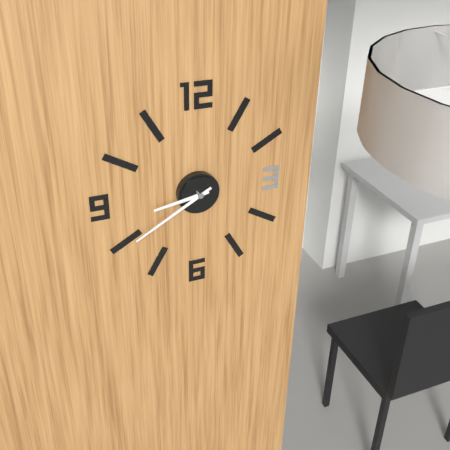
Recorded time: 8:40
